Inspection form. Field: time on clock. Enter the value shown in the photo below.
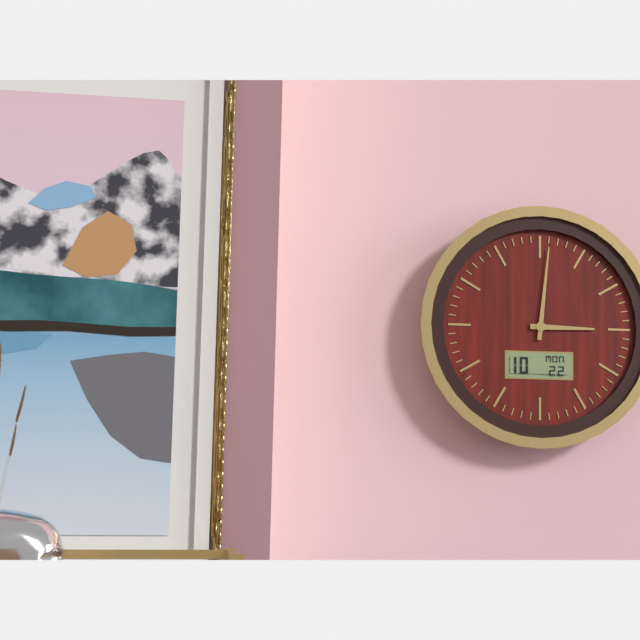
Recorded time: 3:01
